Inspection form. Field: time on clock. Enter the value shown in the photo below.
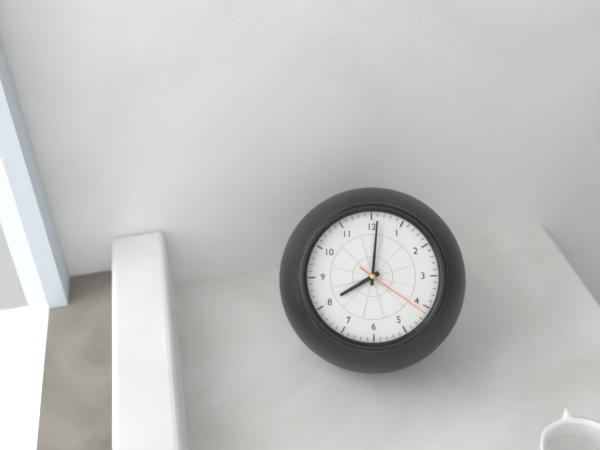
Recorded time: 8:01:21
